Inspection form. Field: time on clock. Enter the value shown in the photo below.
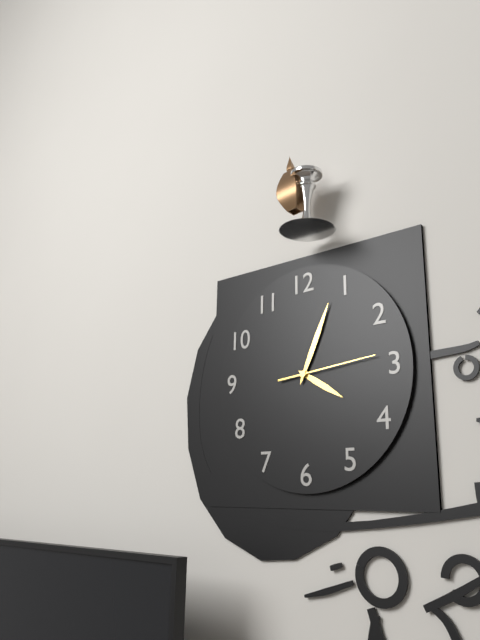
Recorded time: 4:04:14
